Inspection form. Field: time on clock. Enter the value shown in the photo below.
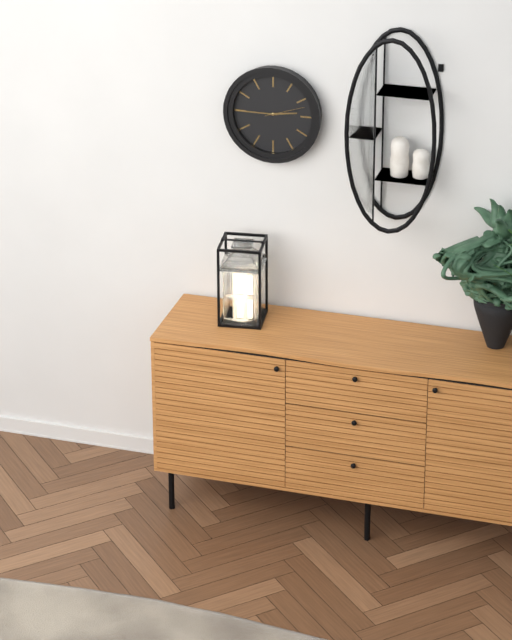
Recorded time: 2:45
